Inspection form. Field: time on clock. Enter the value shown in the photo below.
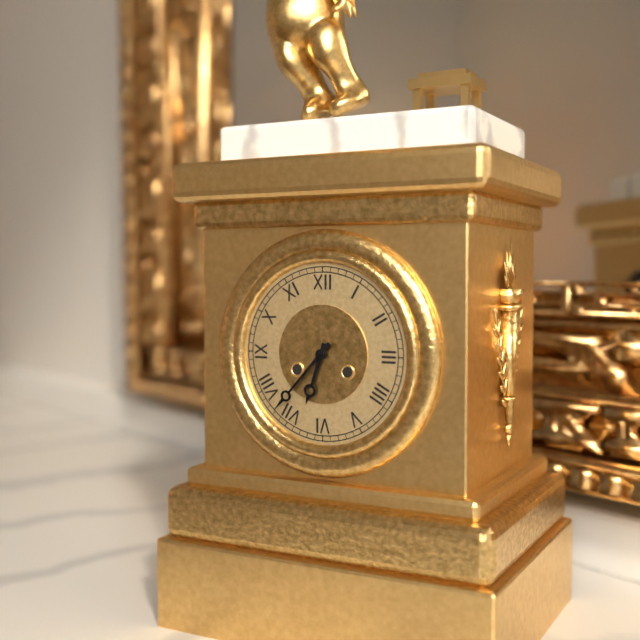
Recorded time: 6:37
